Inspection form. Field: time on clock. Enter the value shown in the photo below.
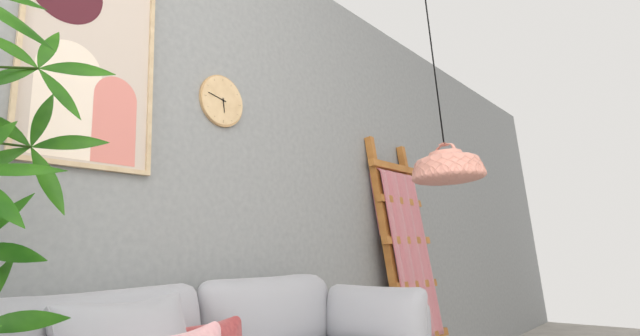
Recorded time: 5:47
